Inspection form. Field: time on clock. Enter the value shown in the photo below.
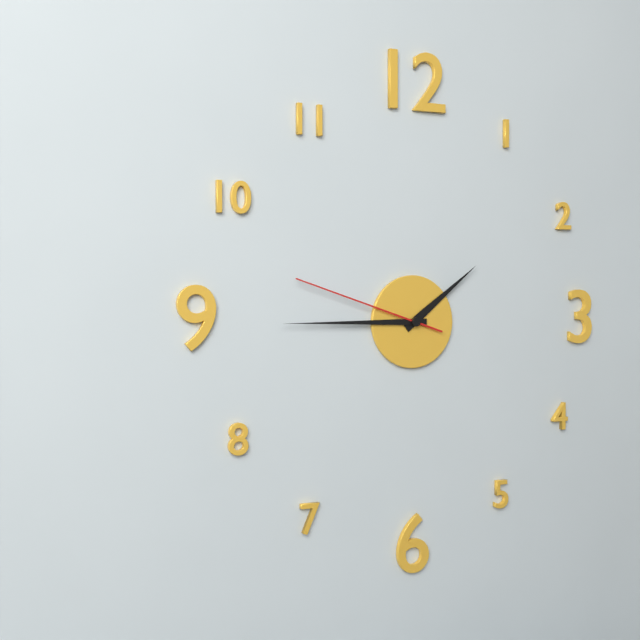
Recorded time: 1:45:48
